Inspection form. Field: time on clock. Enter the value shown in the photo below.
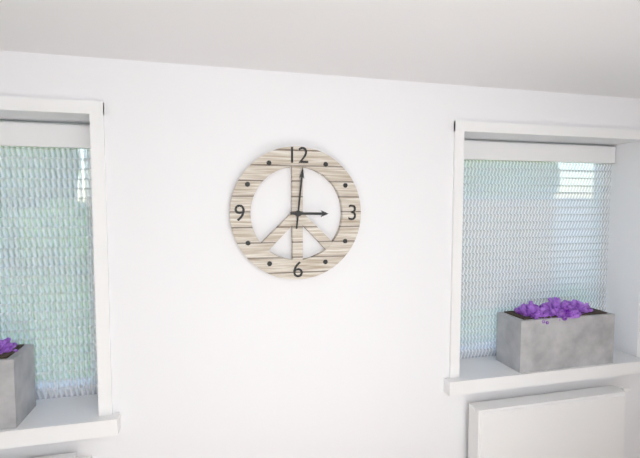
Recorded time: 3:01
